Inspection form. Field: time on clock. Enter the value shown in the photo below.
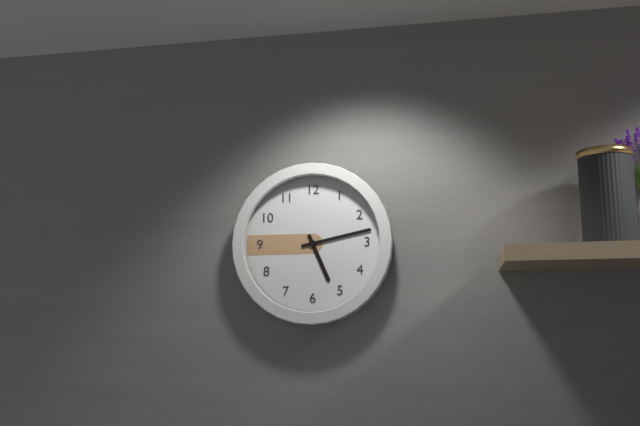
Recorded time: 5:13
